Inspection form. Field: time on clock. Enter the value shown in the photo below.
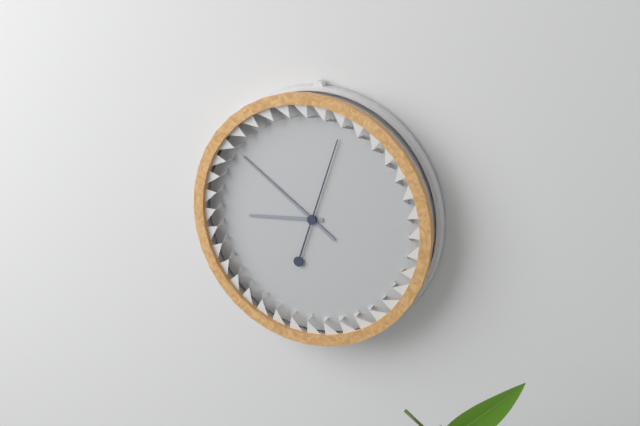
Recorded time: 8:51:03
